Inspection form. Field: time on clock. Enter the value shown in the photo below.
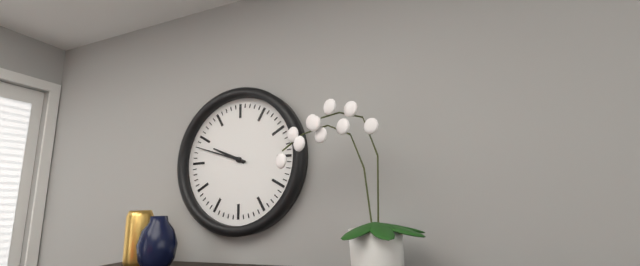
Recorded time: 9:48
